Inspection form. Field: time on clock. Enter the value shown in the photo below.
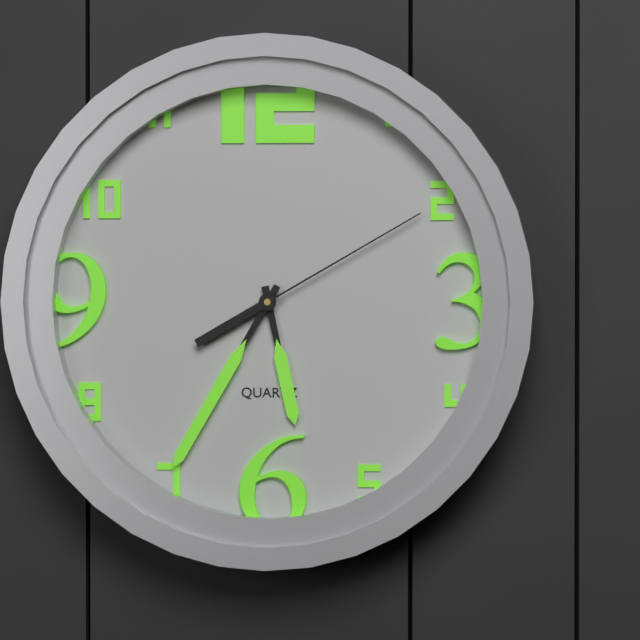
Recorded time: 5:35:10
